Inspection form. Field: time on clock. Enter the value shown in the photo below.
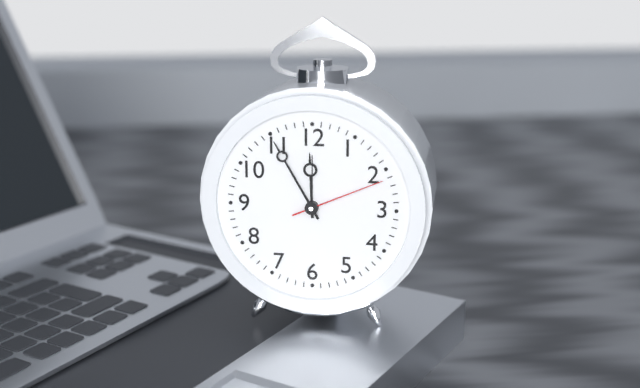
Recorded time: 11:55:11
